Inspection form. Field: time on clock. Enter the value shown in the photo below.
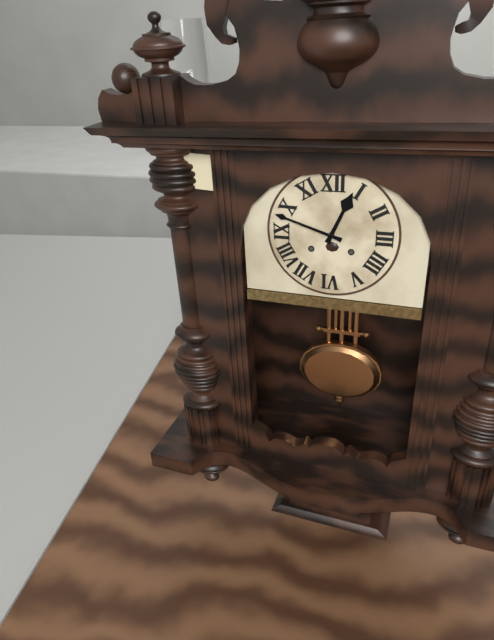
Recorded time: 12:48
